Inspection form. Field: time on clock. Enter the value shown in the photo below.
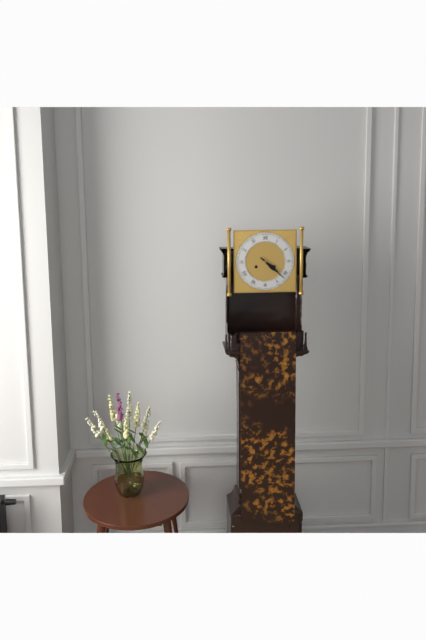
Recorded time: 4:22
